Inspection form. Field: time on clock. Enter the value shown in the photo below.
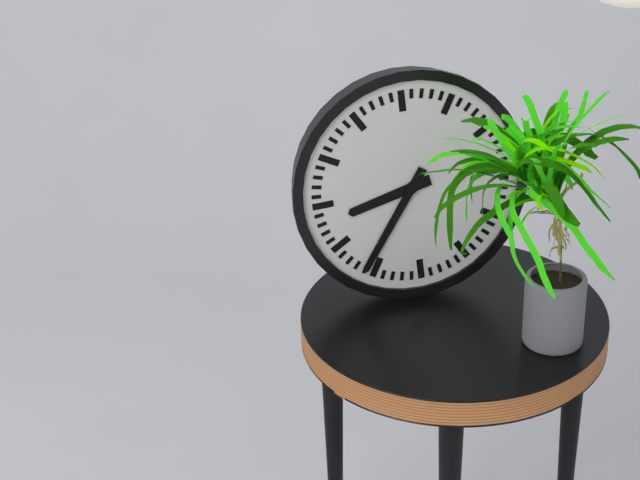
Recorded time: 8:36
